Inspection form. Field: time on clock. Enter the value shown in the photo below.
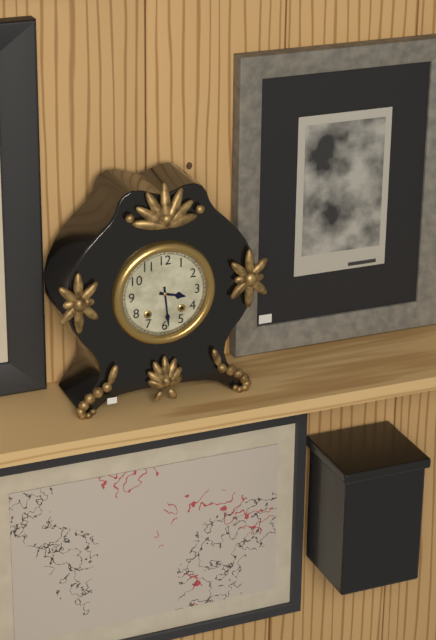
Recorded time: 3:29
